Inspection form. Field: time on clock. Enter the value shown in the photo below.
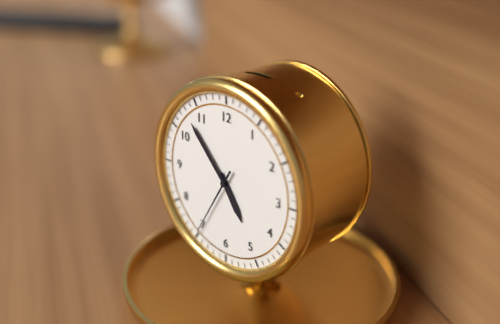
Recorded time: 4:53:35
